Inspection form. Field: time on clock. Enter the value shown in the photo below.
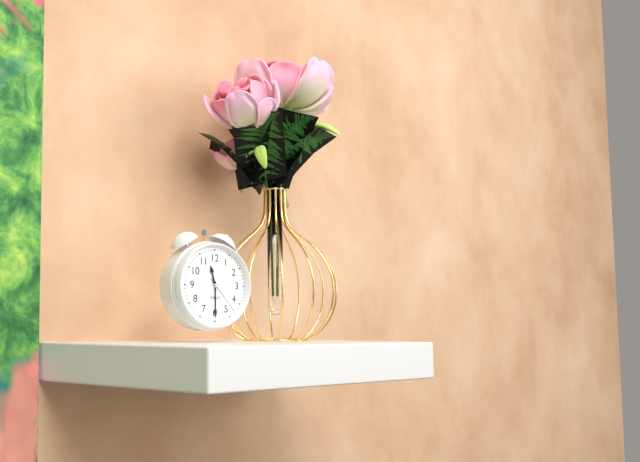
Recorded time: 11:30
